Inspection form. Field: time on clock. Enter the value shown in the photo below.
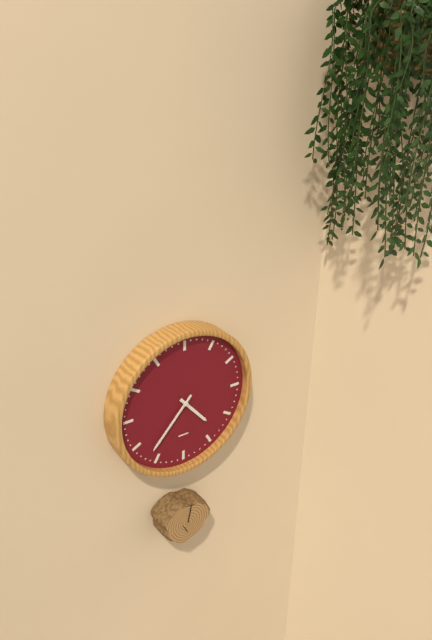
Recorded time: 4:37
